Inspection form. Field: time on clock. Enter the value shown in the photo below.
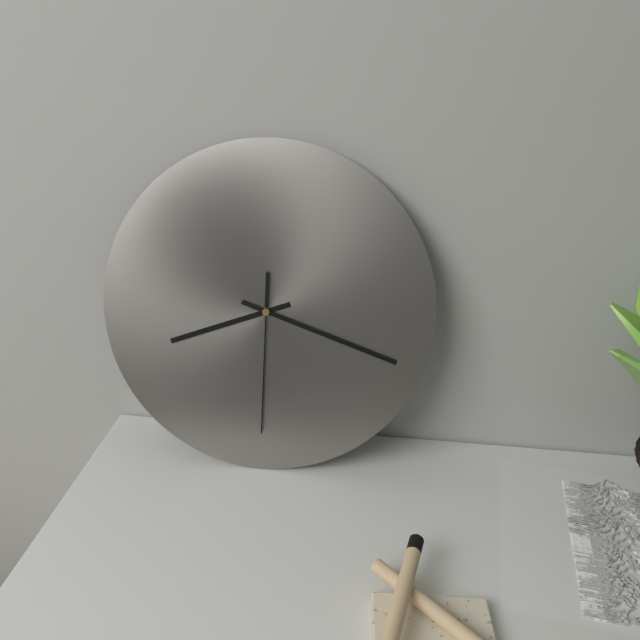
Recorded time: 8:18:30
